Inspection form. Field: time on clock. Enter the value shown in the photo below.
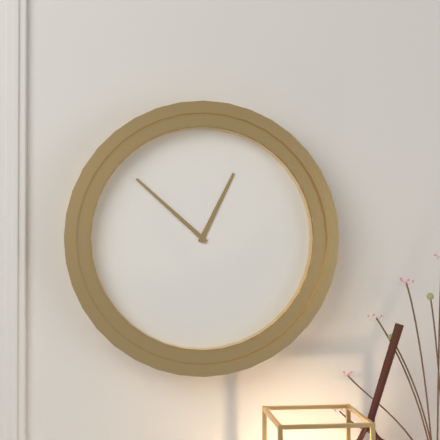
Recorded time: 12:52
